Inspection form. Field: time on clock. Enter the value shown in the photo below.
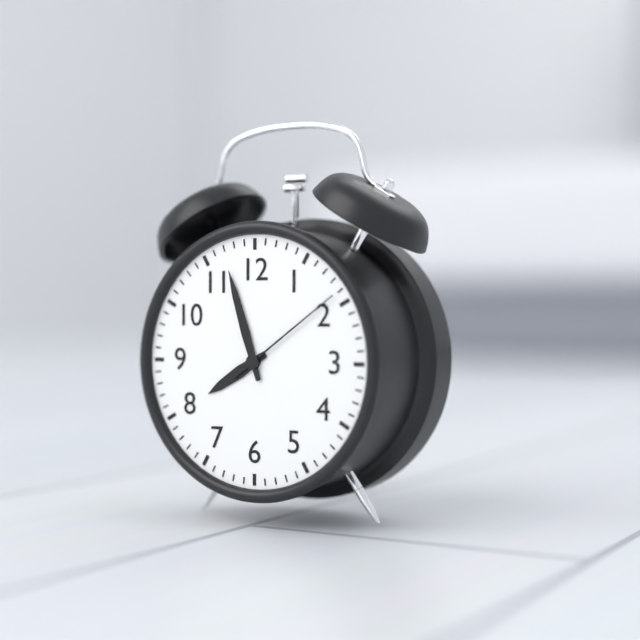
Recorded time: 7:57:09
